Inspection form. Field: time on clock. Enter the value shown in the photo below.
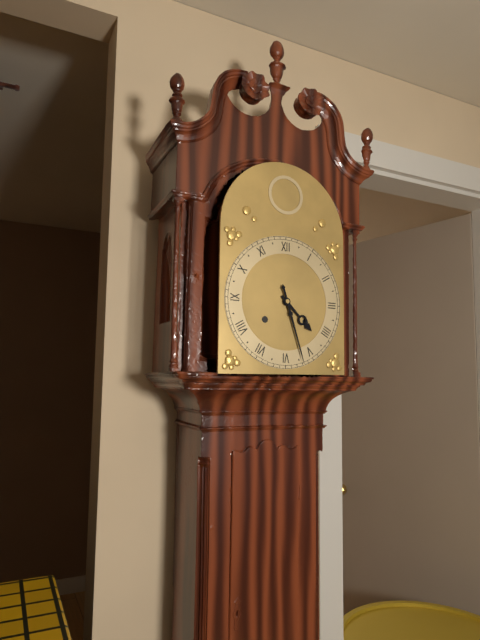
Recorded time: 4:27
